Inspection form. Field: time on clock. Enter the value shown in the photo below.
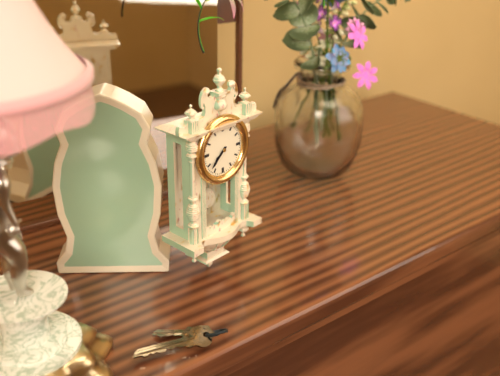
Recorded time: 7:38
